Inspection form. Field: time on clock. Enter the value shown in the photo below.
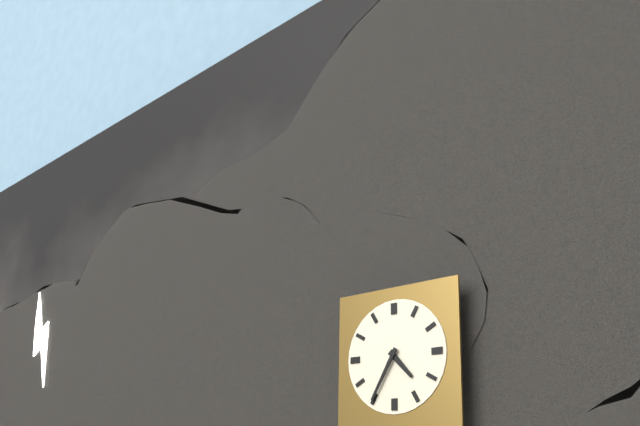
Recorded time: 4:35
